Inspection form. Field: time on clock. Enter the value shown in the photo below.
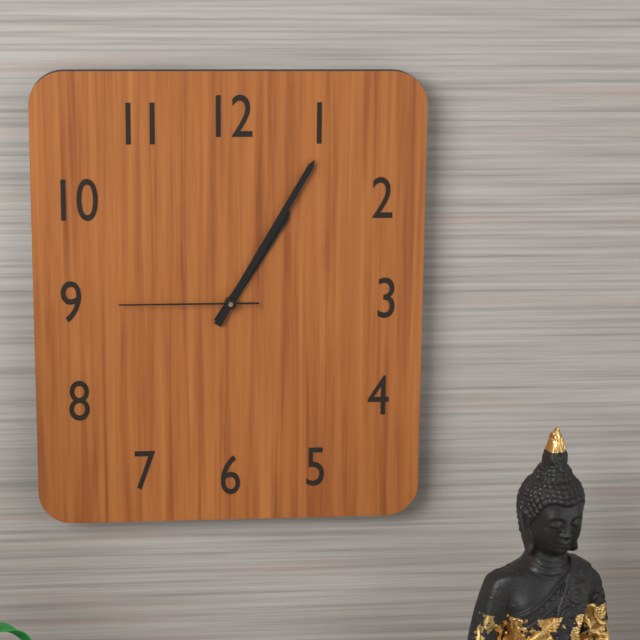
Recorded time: 1:05:45
